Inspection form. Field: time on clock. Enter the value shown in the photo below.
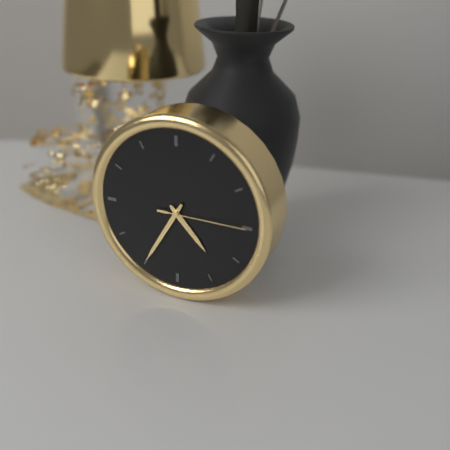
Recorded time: 4:35:15
